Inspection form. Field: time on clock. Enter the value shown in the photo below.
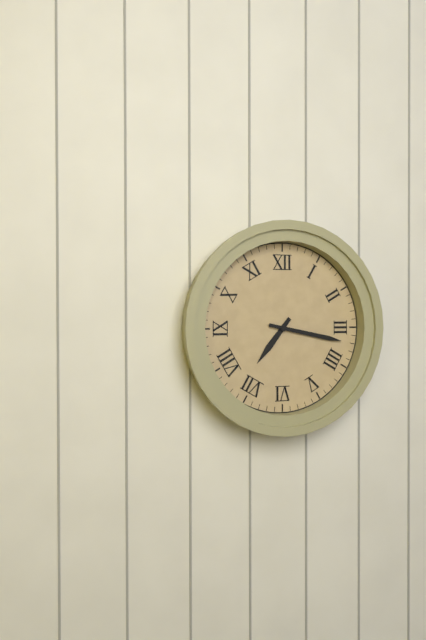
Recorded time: 7:17
